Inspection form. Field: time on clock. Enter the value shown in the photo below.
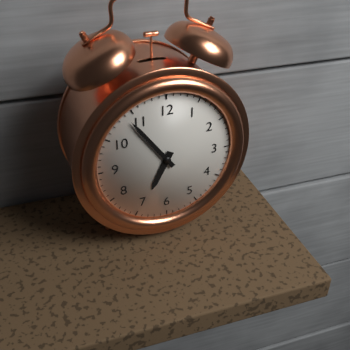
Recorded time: 6:54
